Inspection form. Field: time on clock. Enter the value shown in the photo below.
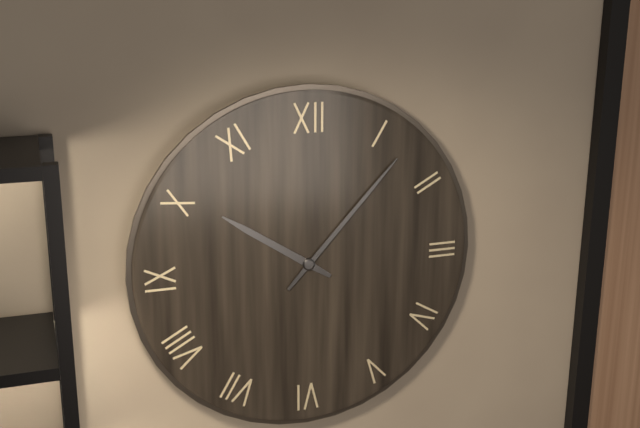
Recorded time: 10:07
